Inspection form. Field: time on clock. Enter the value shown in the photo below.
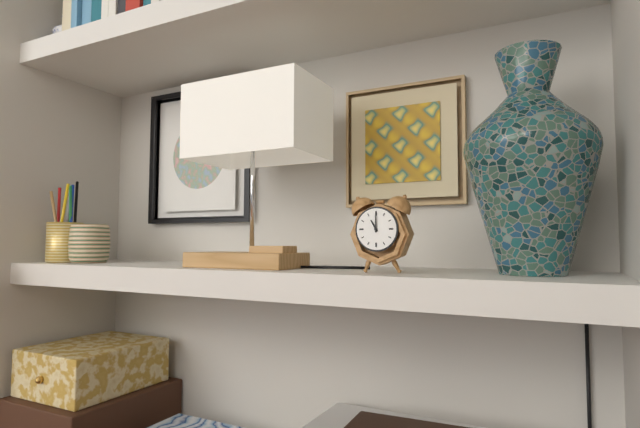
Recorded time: 11:00
